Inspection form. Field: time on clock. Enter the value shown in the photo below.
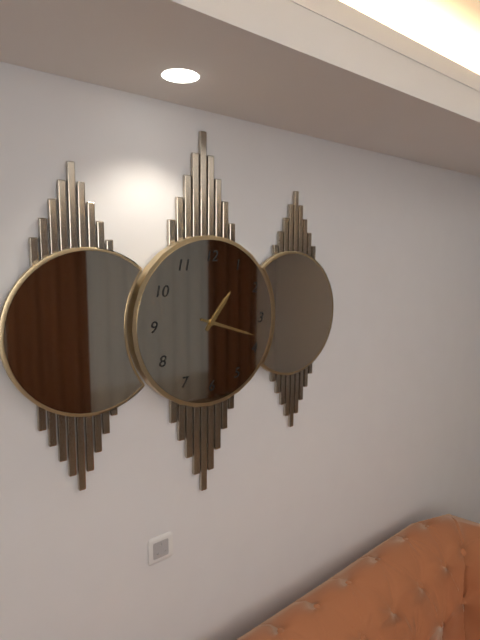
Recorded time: 1:18
